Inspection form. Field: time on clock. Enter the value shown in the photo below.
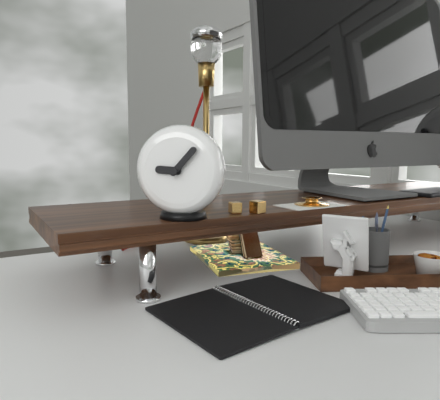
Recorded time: 9:07
